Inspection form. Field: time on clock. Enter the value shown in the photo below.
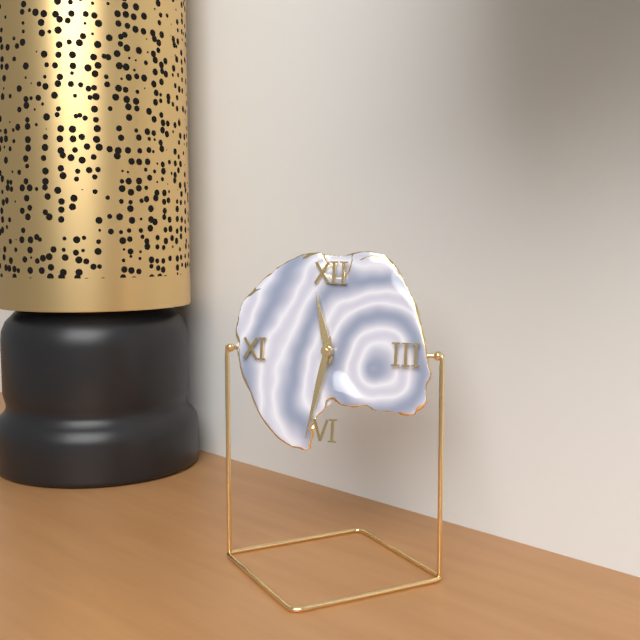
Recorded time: 11:32
